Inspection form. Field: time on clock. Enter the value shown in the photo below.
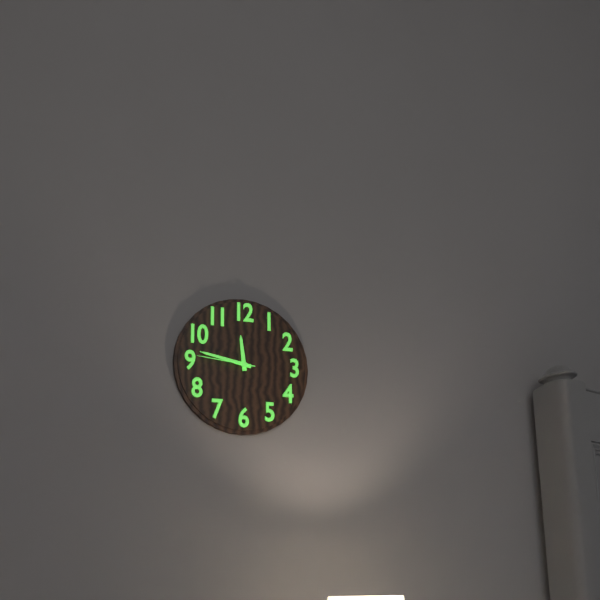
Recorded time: 11:47:46
